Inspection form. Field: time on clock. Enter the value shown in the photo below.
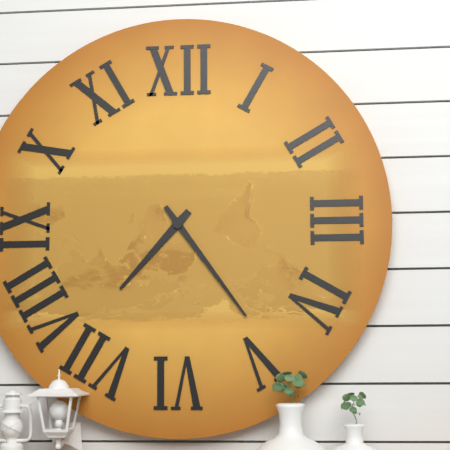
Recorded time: 7:24
